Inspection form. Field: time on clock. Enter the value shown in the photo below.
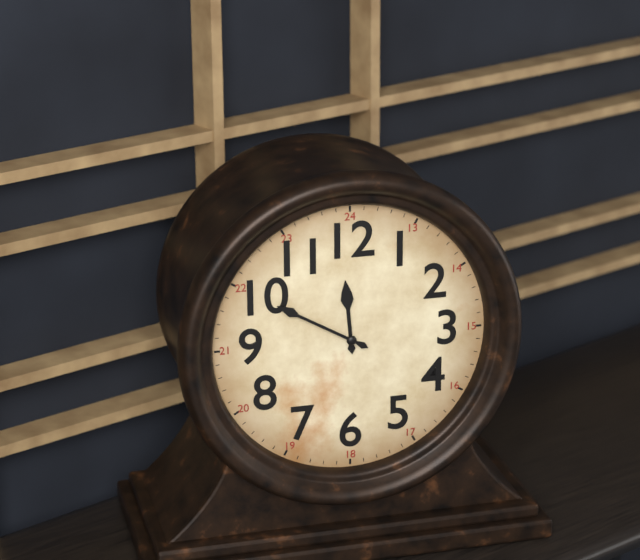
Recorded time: 11:50
